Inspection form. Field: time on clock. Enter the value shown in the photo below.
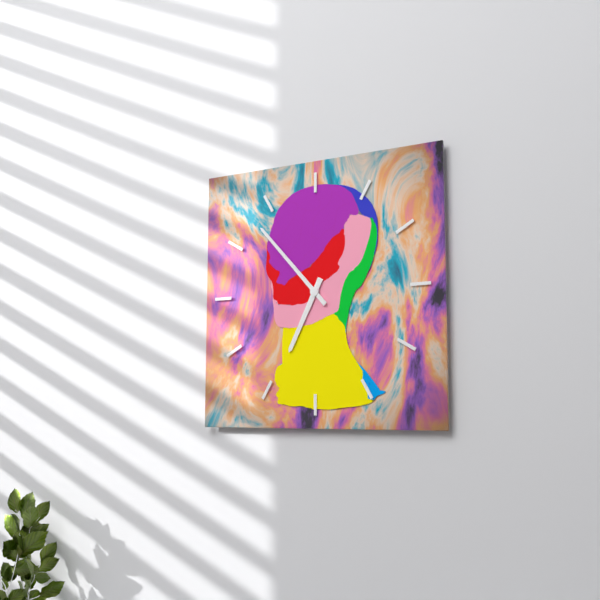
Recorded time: 6:53
